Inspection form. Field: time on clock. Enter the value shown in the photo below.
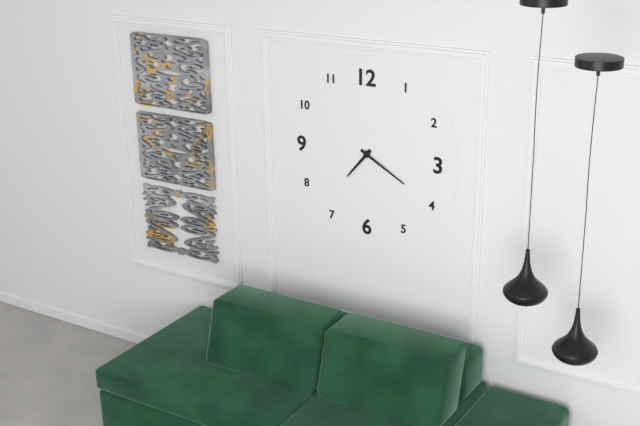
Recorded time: 7:20
